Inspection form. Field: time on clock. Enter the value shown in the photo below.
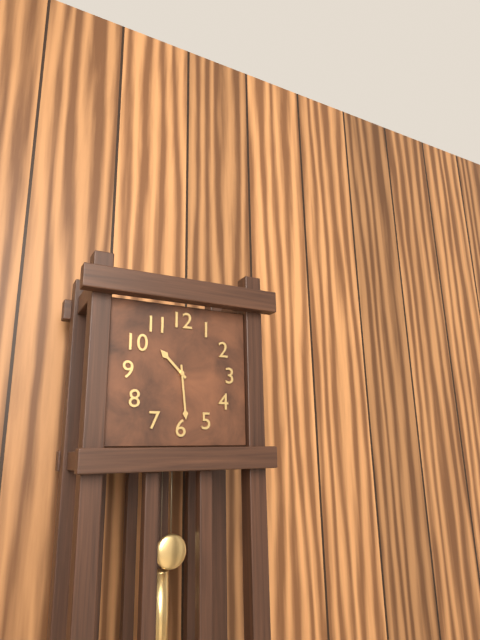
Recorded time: 10:29
